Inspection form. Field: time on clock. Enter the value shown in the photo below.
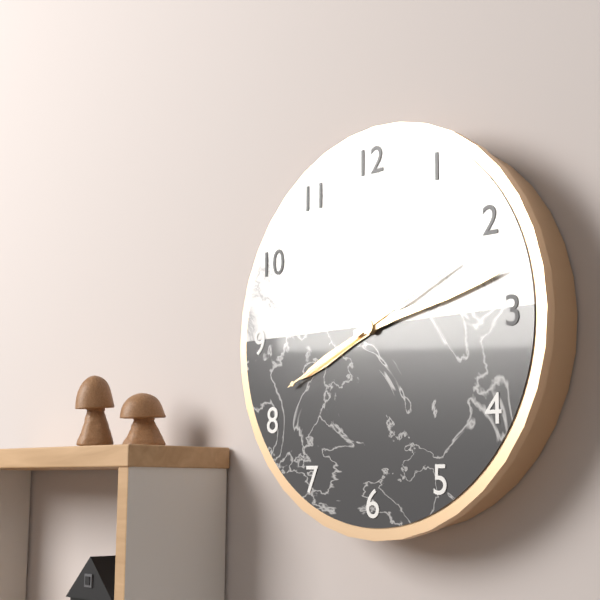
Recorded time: 8:13:41
